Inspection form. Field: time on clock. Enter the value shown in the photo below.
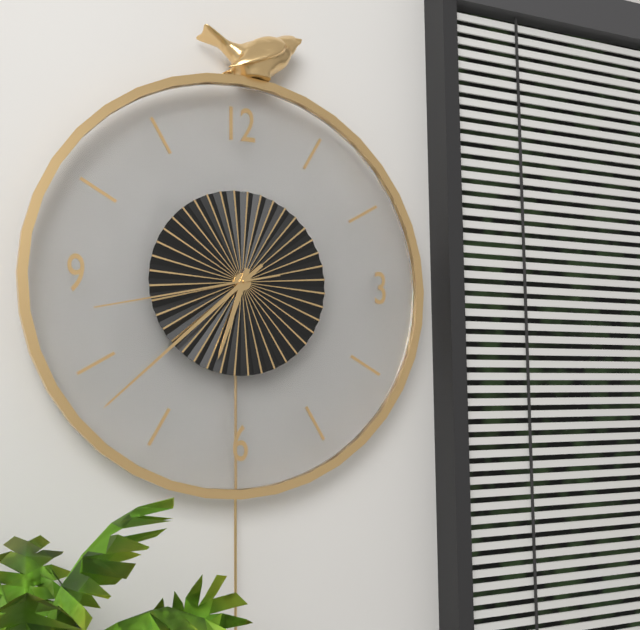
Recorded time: 6:38:43
